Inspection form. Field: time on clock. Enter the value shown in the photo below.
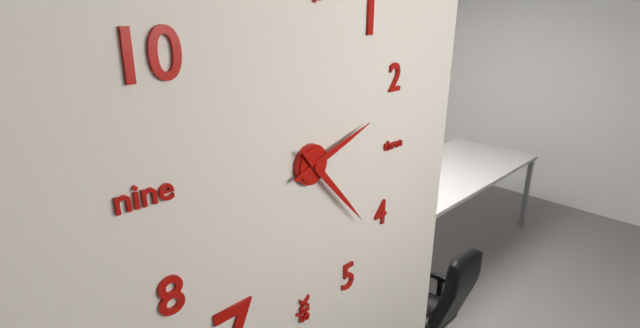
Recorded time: 2:23
